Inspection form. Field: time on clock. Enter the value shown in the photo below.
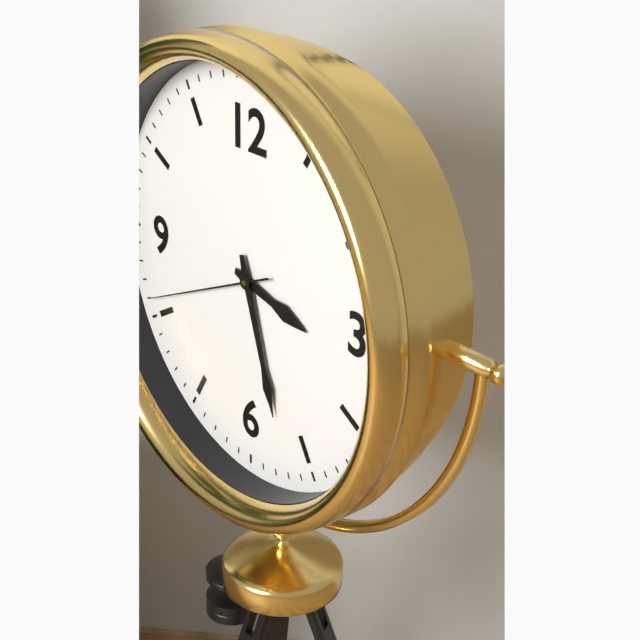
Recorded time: 3:27:41
